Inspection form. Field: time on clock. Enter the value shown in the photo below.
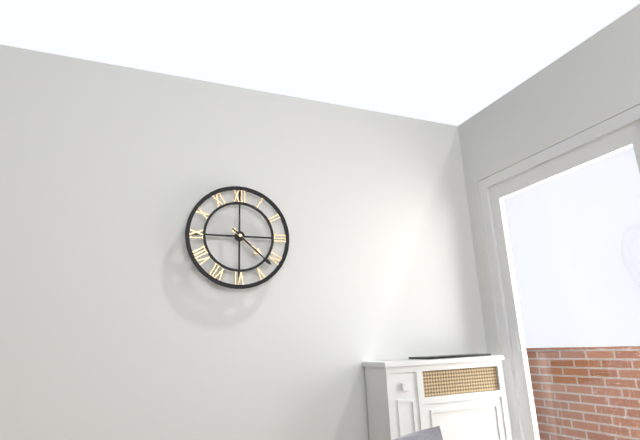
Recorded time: 4:22
